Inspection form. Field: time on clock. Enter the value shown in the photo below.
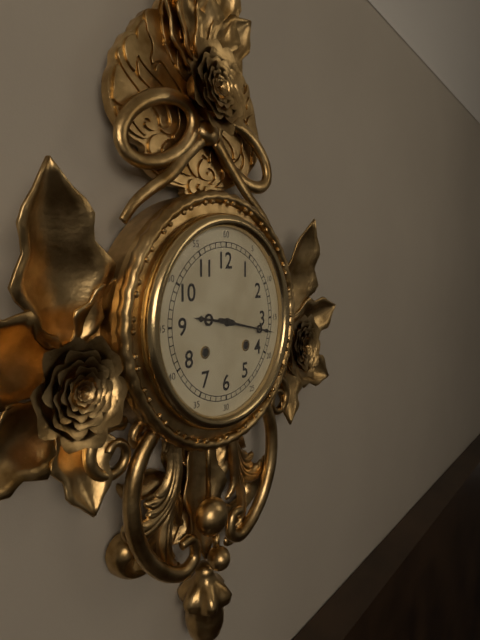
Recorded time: 9:17
